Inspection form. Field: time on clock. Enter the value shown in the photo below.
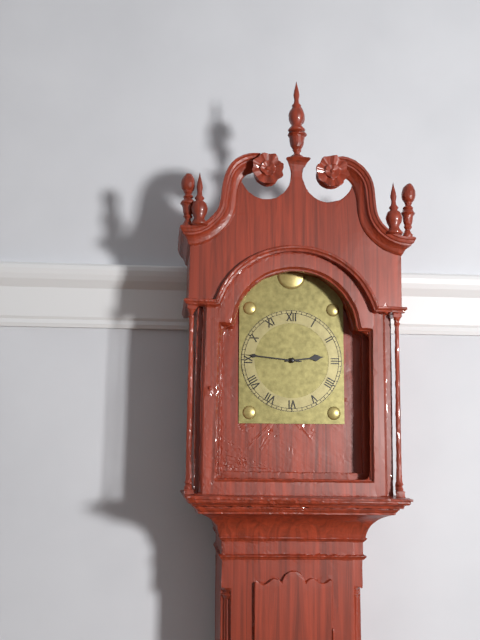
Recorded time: 2:46
